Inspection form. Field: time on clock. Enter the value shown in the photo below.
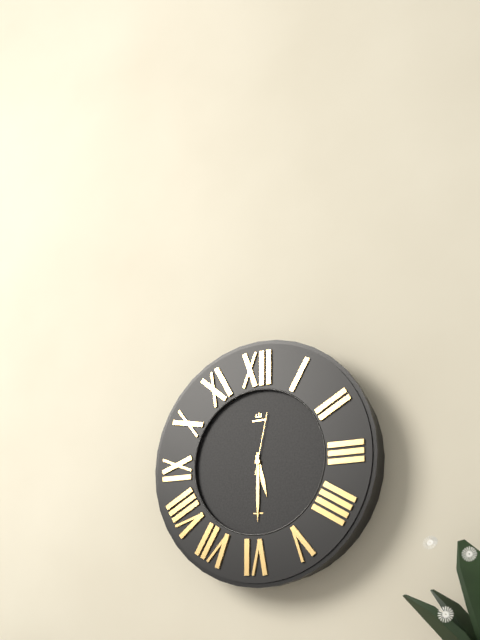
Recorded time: 5:30:02
